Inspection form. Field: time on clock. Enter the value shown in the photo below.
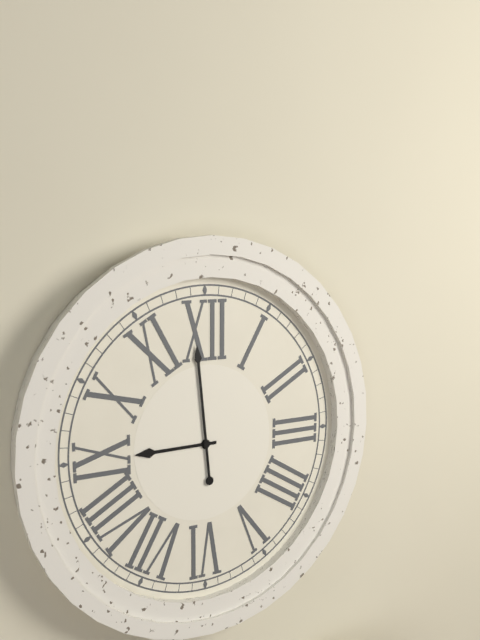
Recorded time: 8:59
